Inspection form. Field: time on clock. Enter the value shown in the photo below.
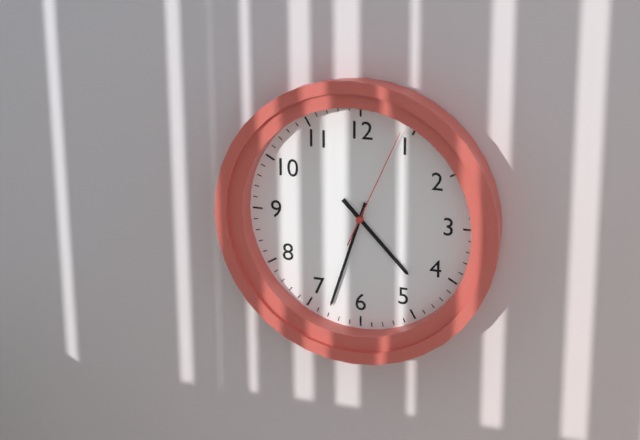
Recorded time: 4:33:04
